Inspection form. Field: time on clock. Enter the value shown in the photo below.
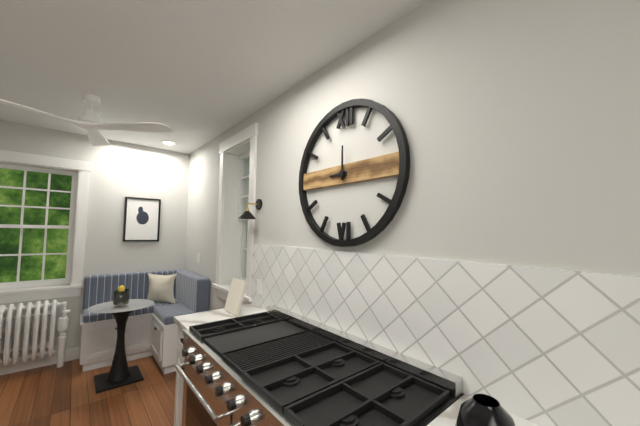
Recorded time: 9:00
